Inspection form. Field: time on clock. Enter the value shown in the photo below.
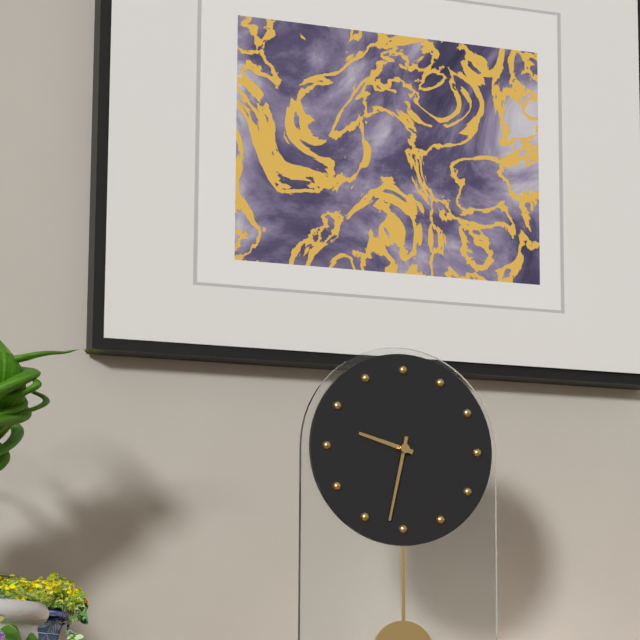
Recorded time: 9:32
